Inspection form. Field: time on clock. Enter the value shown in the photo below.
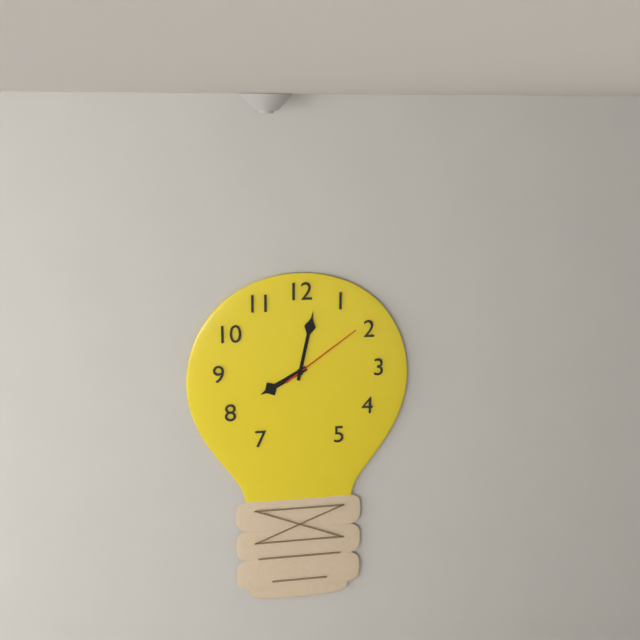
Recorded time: 8:02:09
